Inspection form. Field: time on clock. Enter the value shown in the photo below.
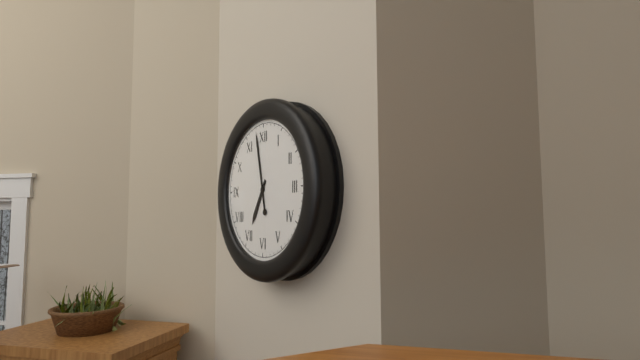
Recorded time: 6:58
